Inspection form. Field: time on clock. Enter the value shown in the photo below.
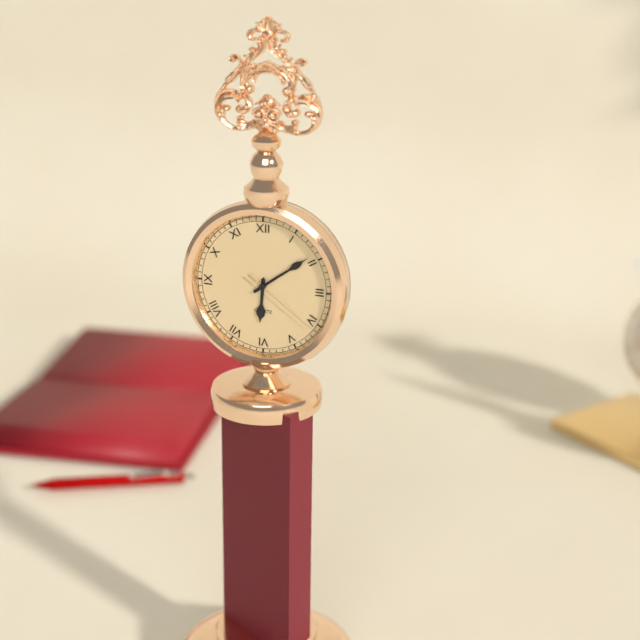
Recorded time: 6:09:21
